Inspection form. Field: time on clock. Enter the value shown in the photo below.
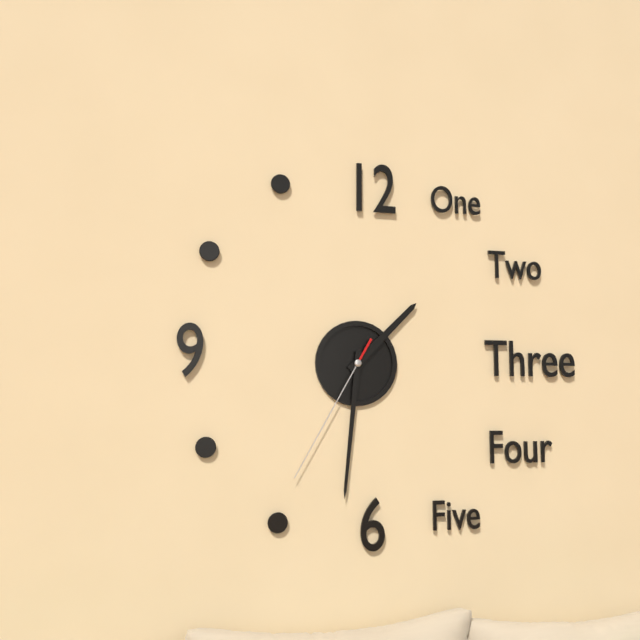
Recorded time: 1:31:35
